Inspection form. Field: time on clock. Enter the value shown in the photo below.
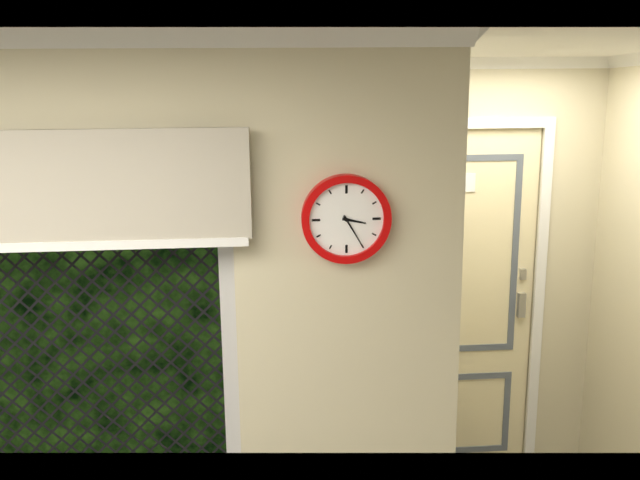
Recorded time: 3:25
